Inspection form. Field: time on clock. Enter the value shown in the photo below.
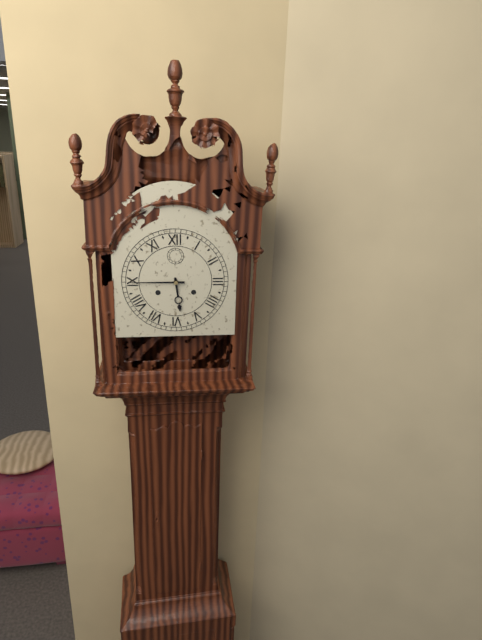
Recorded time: 5:45
